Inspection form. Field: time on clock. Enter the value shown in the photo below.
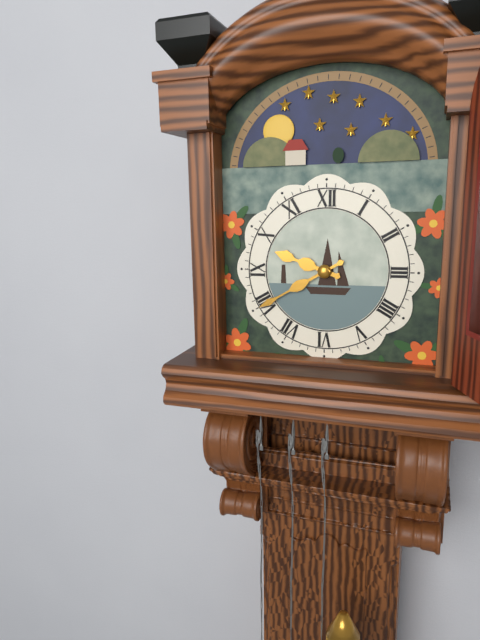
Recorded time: 9:40
